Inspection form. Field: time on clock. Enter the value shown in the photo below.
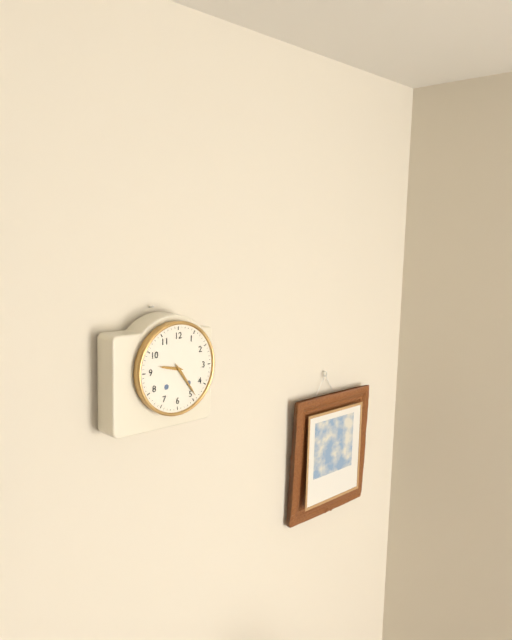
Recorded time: 9:24
